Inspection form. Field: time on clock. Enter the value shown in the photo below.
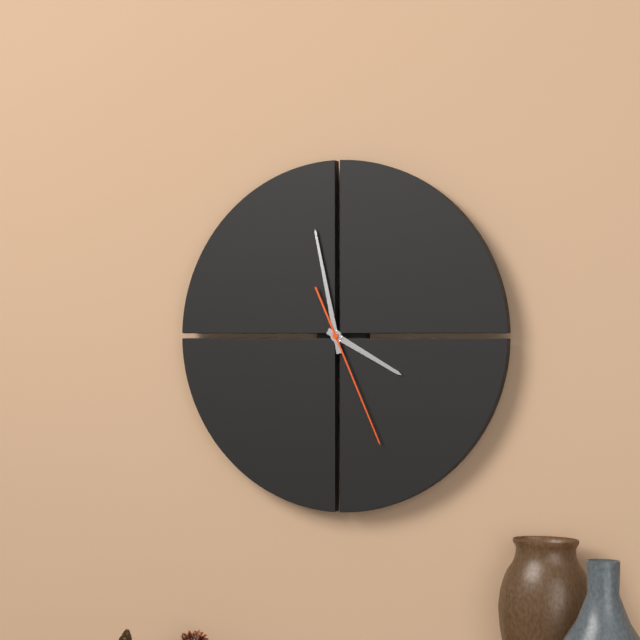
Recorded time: 3:58:26
